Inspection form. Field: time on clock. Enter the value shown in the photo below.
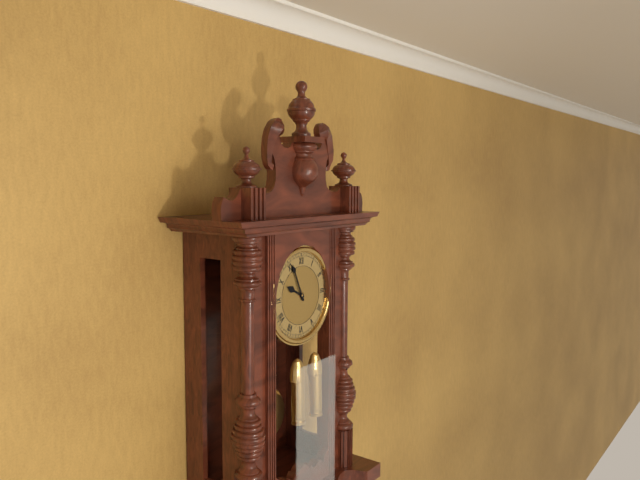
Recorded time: 9:56
